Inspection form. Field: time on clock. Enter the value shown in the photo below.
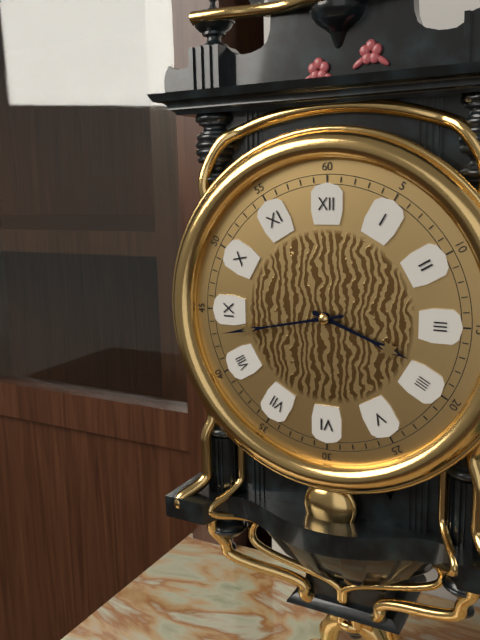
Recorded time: 3:43
